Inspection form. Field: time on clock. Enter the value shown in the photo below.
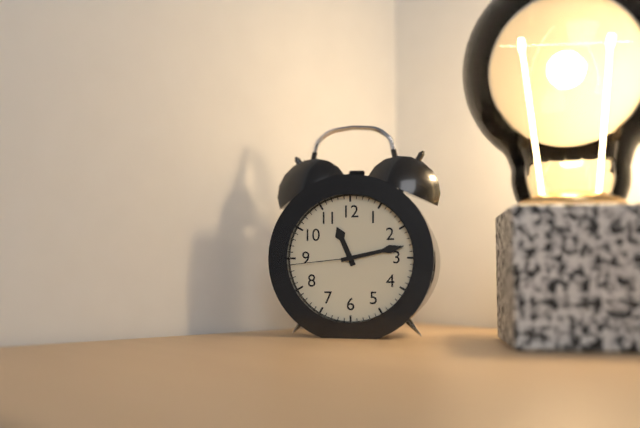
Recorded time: 11:13:44
